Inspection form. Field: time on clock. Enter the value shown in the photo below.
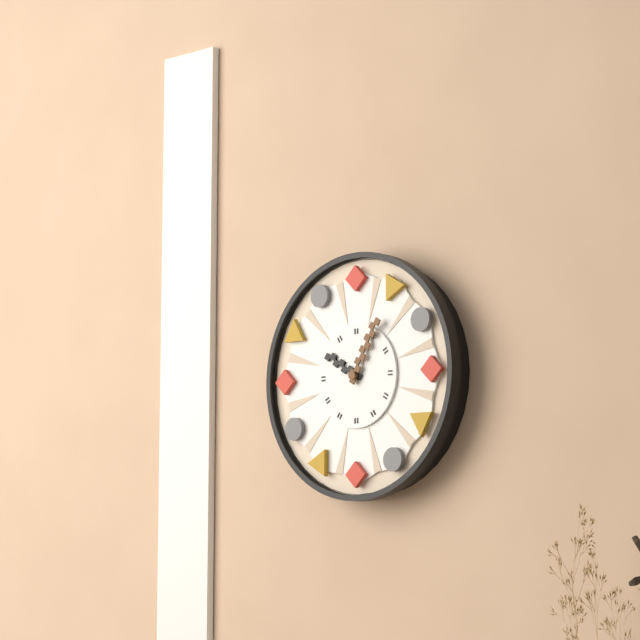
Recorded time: 10:05
